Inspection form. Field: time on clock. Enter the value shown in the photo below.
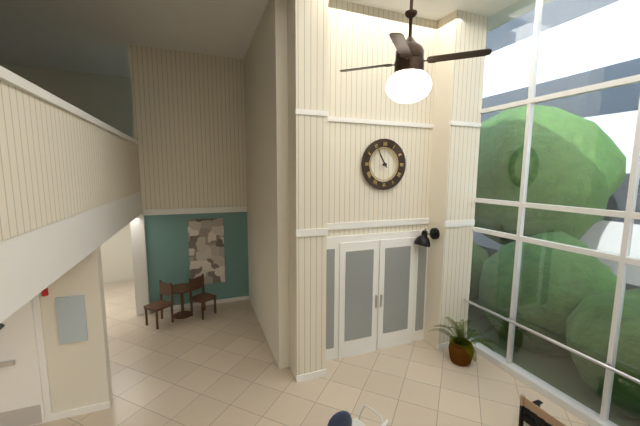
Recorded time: 10:55
